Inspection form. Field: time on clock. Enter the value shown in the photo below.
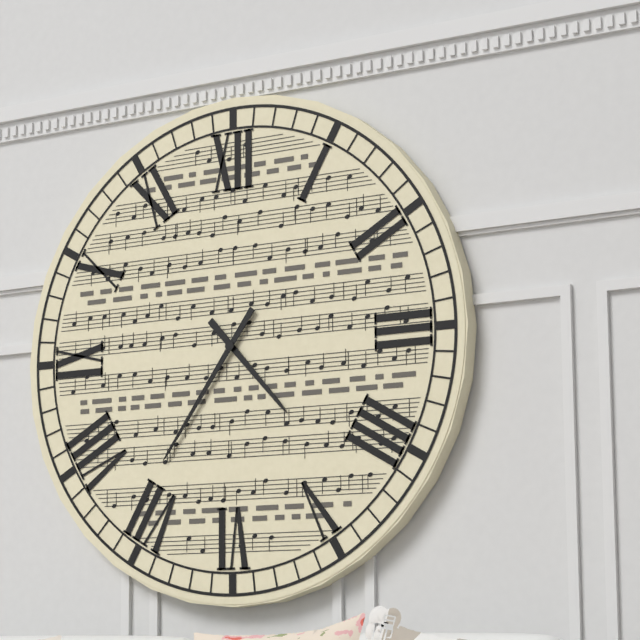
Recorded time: 4:36
